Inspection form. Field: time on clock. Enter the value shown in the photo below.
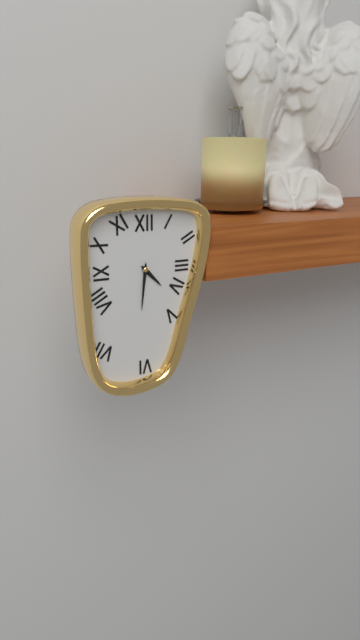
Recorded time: 4:31
